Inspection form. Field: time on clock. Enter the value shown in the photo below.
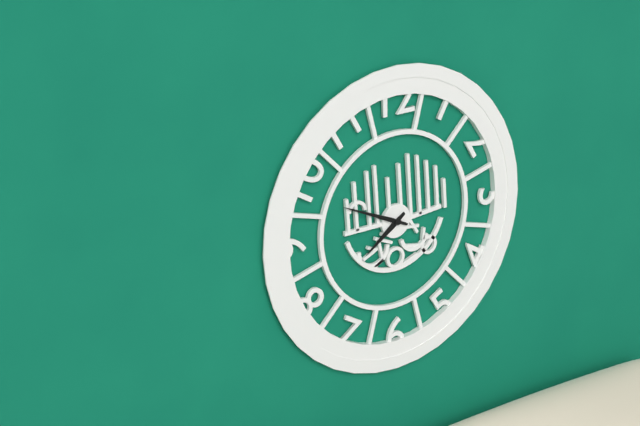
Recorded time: 7:49
